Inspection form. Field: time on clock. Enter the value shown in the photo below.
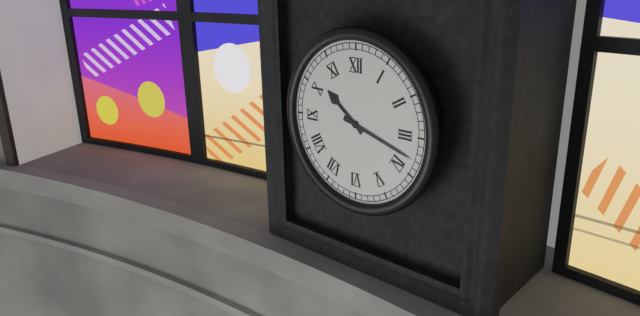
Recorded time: 10:18
